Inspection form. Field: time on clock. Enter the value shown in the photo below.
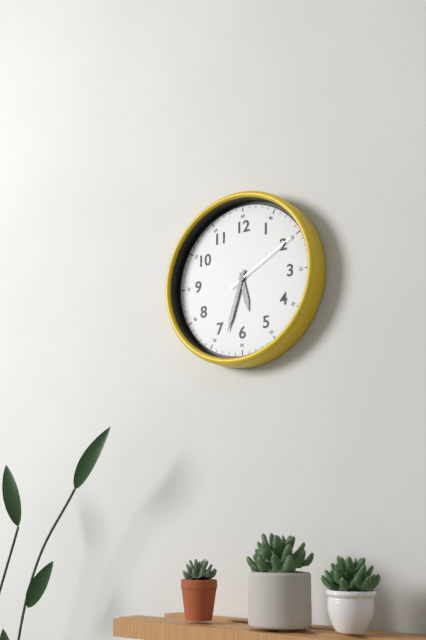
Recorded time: 5:33:10
